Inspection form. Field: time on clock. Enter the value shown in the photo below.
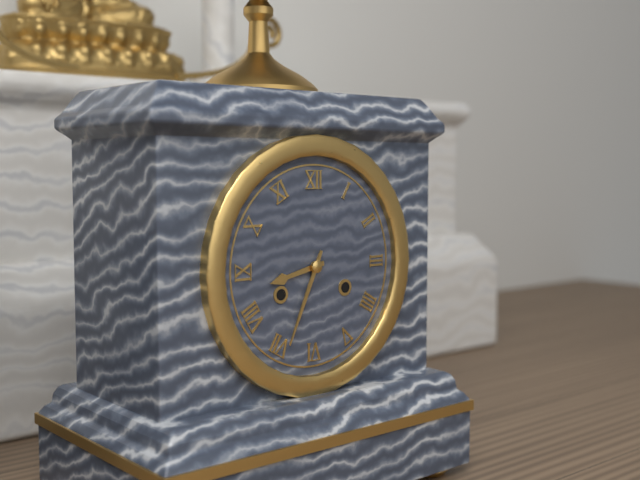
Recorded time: 8:34
